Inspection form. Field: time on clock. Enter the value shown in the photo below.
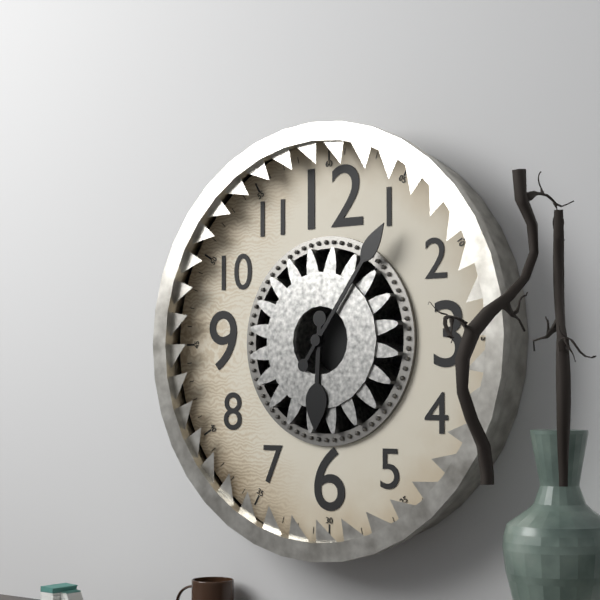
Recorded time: 6:06
